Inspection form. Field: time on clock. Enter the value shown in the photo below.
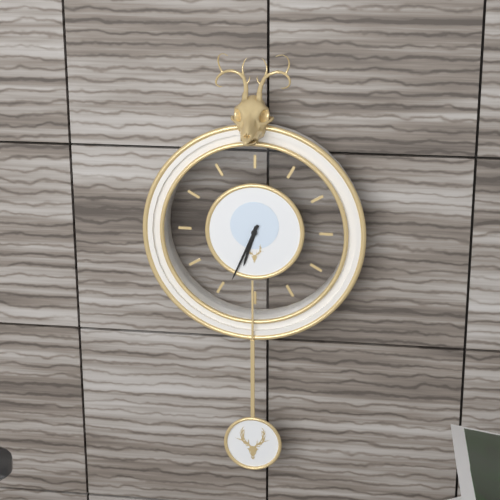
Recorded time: 6:34
